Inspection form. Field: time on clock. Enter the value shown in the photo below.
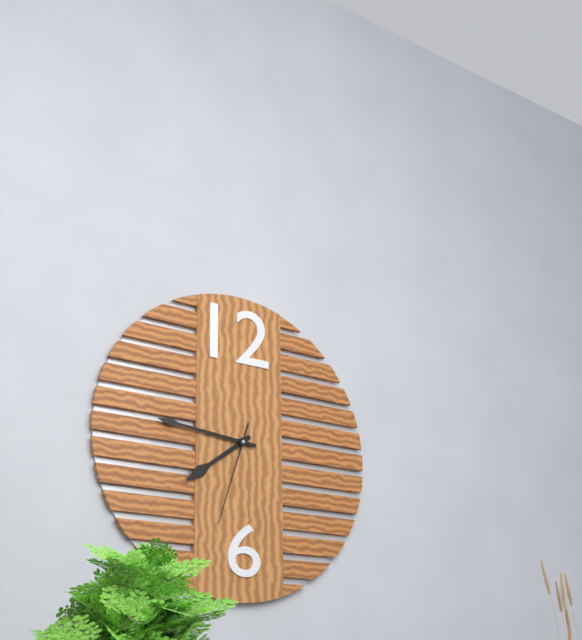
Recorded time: 7:46:33
